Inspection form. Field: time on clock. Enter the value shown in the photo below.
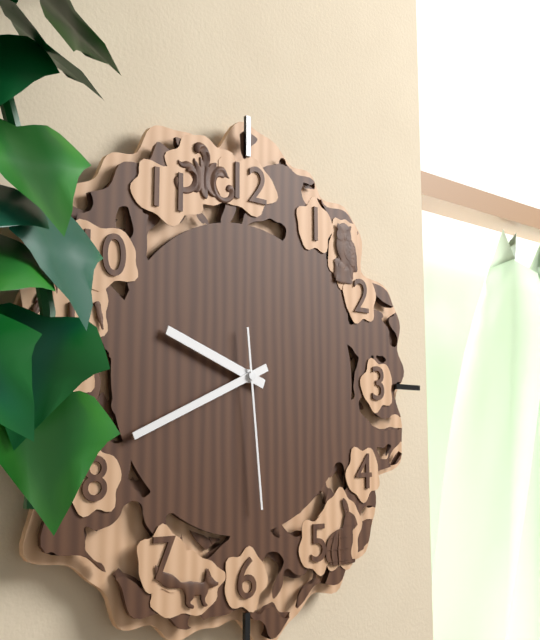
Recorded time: 9:41:29
